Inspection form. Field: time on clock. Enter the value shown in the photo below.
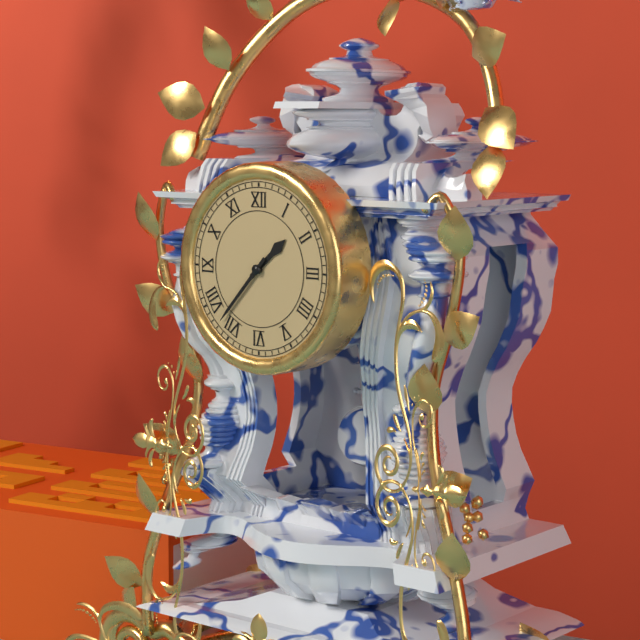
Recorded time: 1:37
